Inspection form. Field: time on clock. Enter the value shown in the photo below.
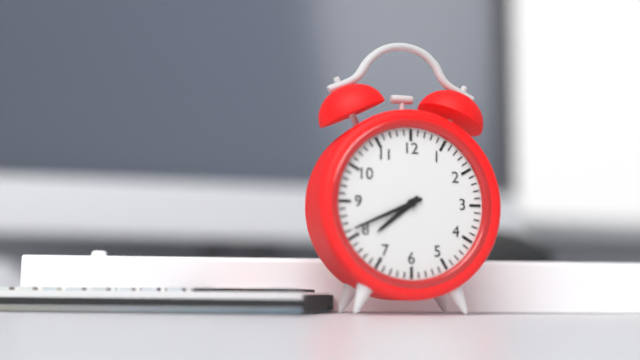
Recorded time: 7:41
